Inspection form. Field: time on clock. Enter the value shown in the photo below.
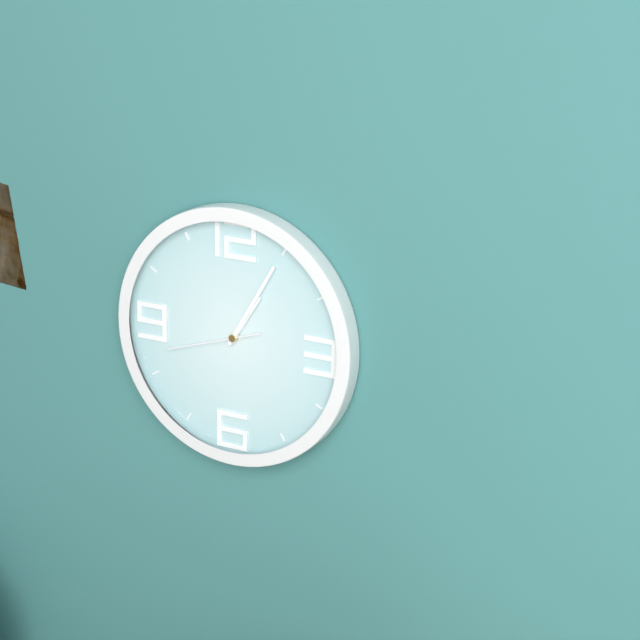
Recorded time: 1:05:42
